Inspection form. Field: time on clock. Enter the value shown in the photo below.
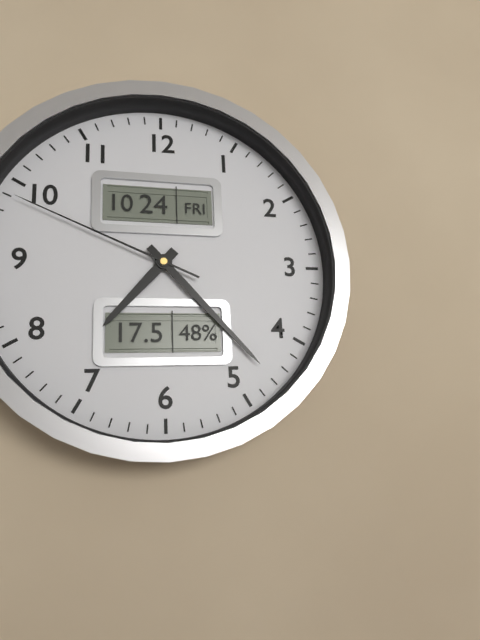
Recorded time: 7:23:49
